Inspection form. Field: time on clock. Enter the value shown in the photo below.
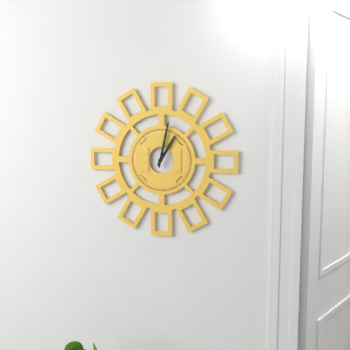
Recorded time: 1:02
